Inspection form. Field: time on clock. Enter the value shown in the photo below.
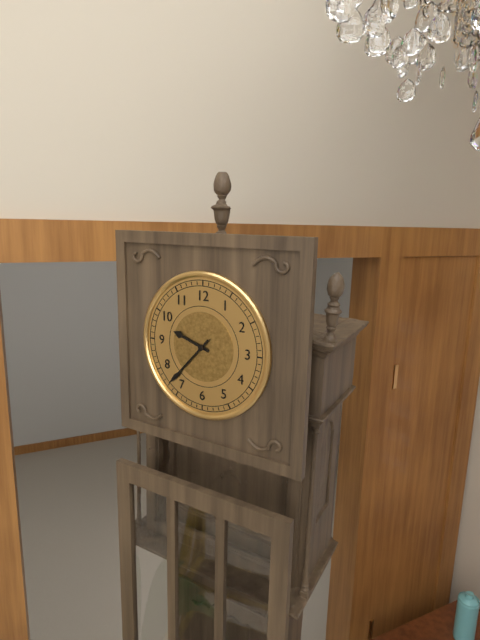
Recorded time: 9:37
